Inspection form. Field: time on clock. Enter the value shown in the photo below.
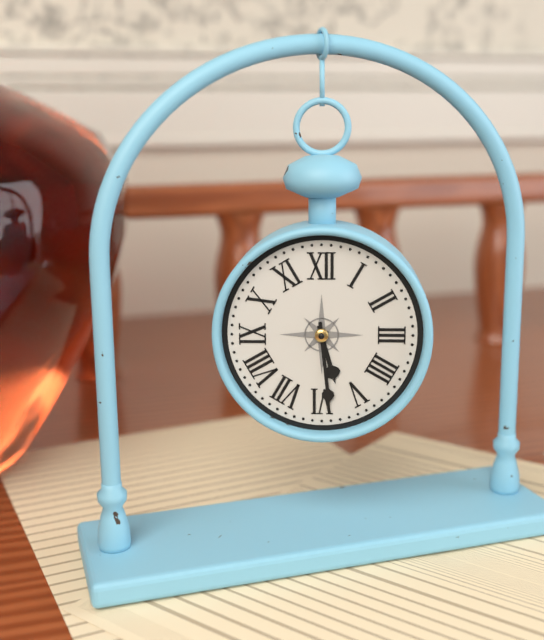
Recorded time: 5:29
